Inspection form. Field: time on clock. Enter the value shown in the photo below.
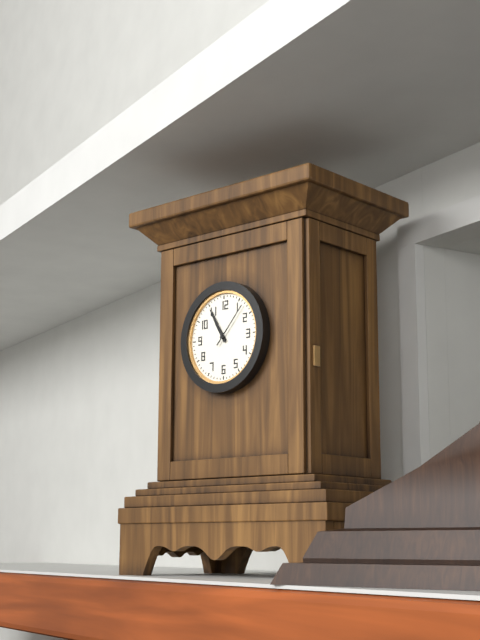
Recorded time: 10:55:07
